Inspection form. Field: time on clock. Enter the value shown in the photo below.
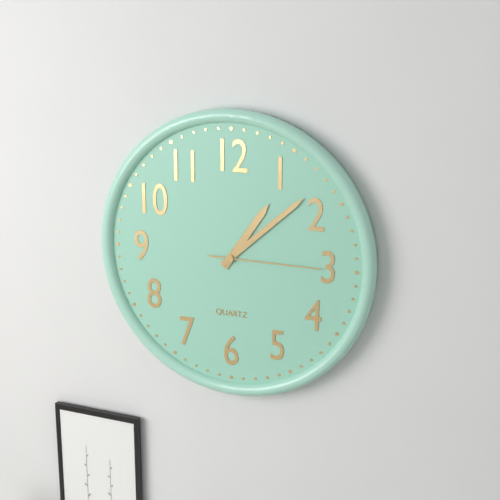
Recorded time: 1:08:15
